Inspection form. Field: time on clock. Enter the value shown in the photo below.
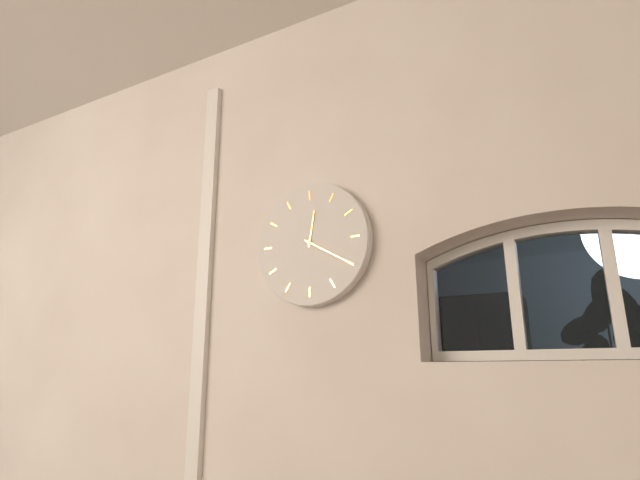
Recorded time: 12:20
